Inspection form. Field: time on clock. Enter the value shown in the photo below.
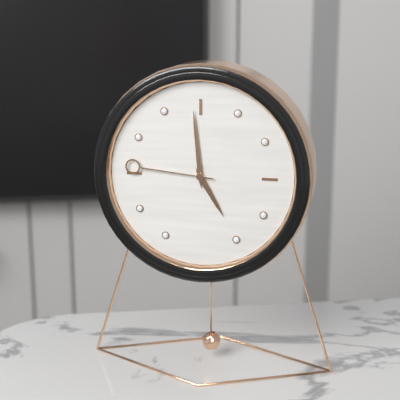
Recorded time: 4:59:46
